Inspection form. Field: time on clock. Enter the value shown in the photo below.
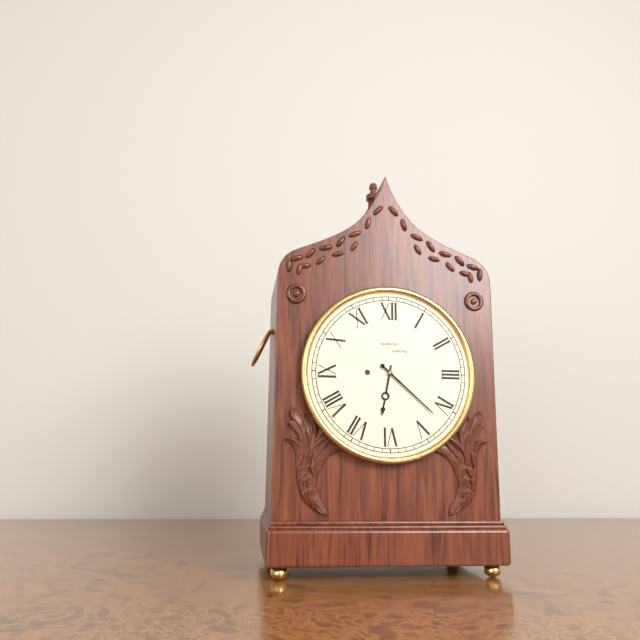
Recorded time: 6:22
